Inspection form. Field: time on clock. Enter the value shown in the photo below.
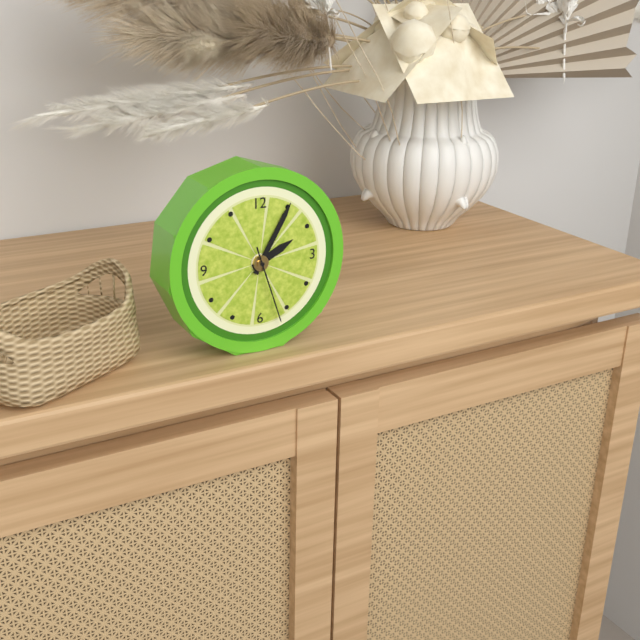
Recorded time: 2:05:27
